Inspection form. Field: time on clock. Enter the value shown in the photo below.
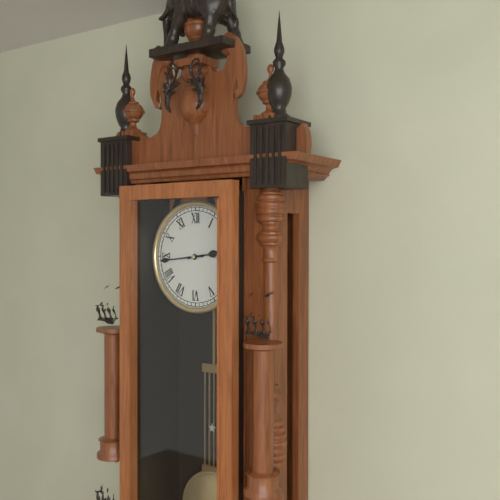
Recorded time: 2:44
